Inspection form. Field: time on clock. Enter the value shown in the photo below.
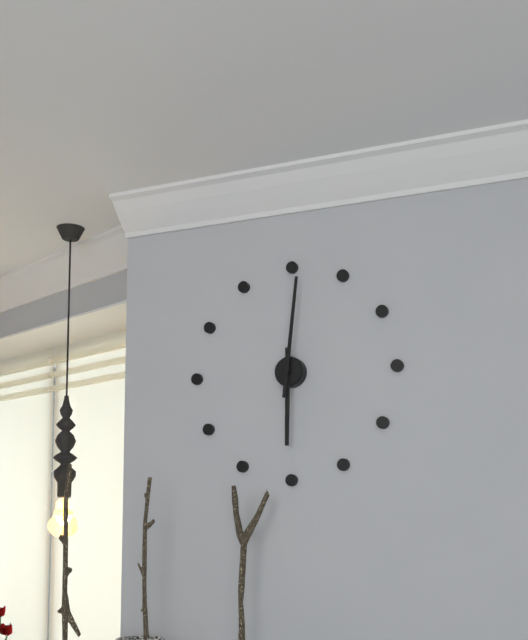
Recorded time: 6:01
